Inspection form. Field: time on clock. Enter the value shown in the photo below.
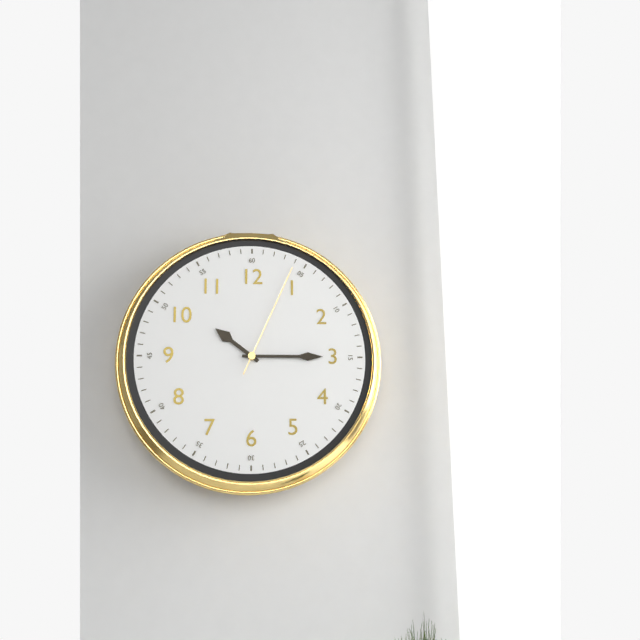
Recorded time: 10:15:04
